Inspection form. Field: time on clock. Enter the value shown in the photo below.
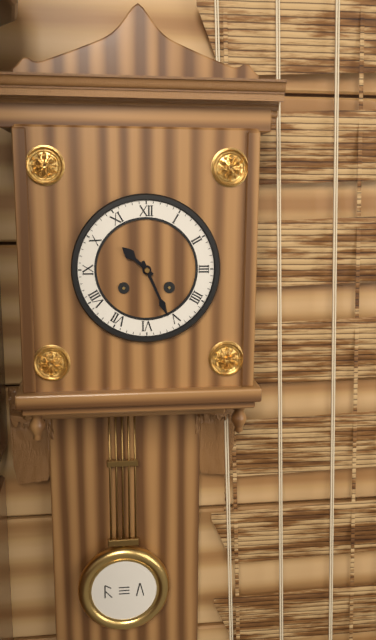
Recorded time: 10:26
